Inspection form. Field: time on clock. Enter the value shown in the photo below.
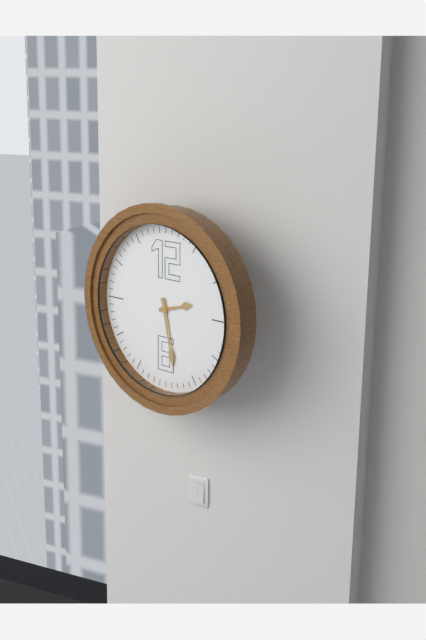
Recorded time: 2:28
